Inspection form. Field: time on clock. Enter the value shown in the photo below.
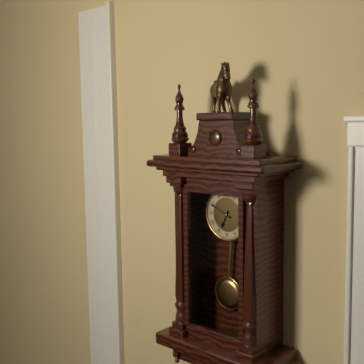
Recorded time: 6:49
